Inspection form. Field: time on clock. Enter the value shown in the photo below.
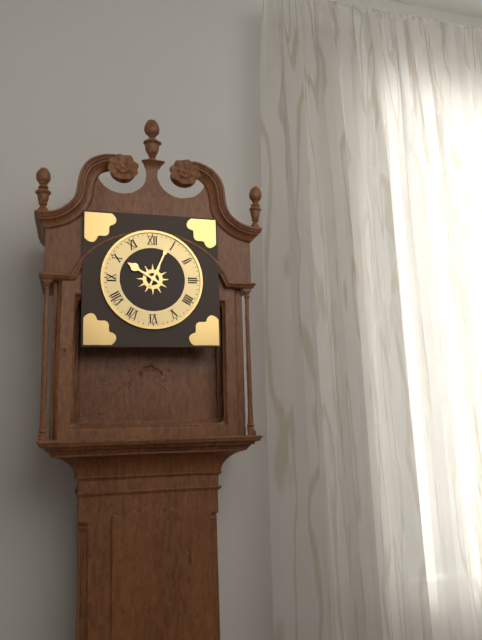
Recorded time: 10:04
